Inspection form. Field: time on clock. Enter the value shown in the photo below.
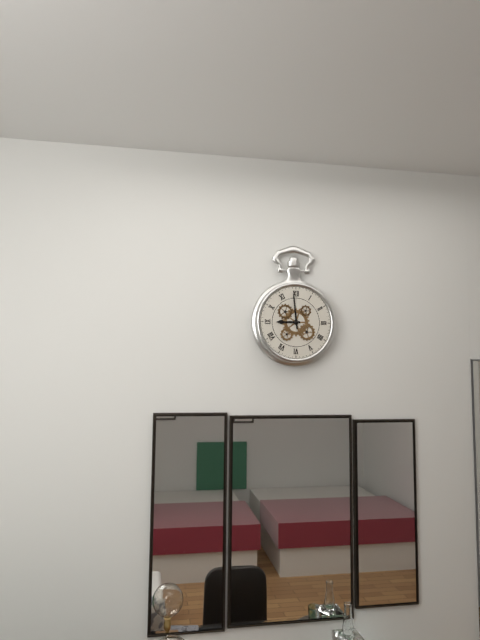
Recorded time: 8:59
